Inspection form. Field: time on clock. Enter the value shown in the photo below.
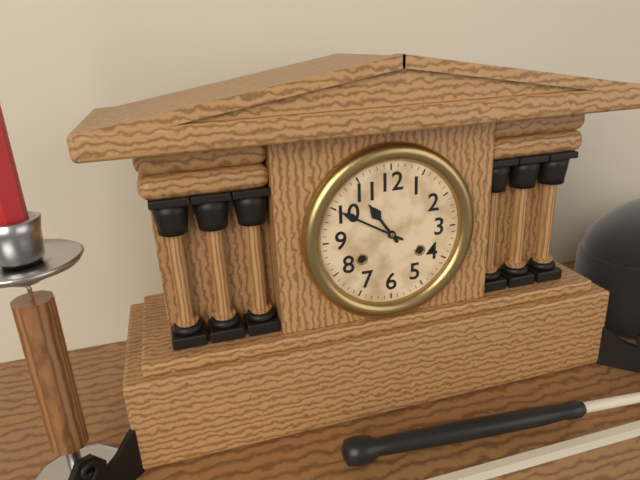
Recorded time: 10:50
